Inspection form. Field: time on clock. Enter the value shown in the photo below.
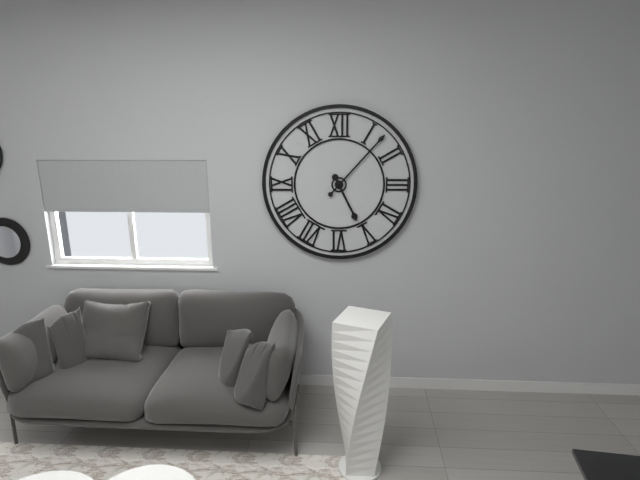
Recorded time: 5:07
